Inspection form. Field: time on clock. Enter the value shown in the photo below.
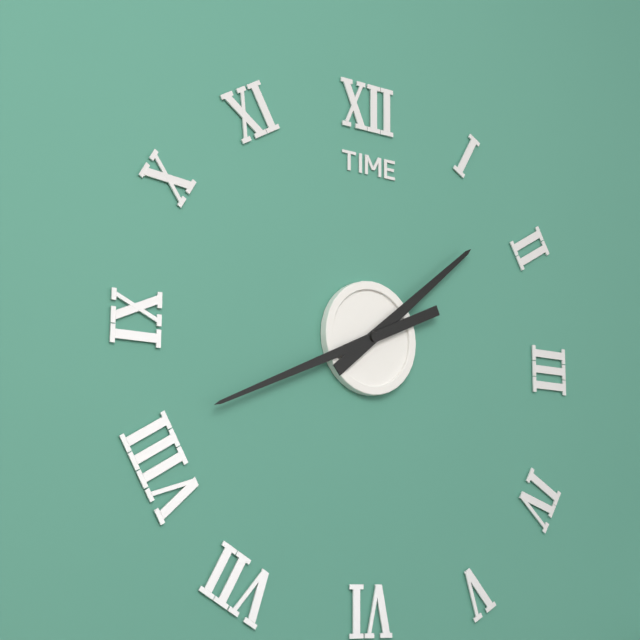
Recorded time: 1:41
